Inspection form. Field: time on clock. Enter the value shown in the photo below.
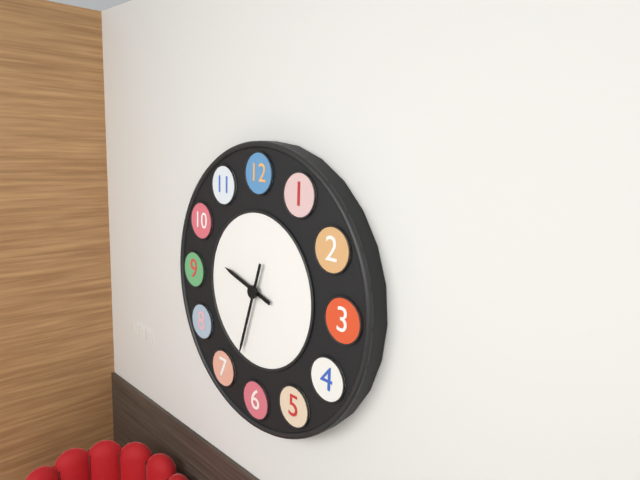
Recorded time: 9:33
